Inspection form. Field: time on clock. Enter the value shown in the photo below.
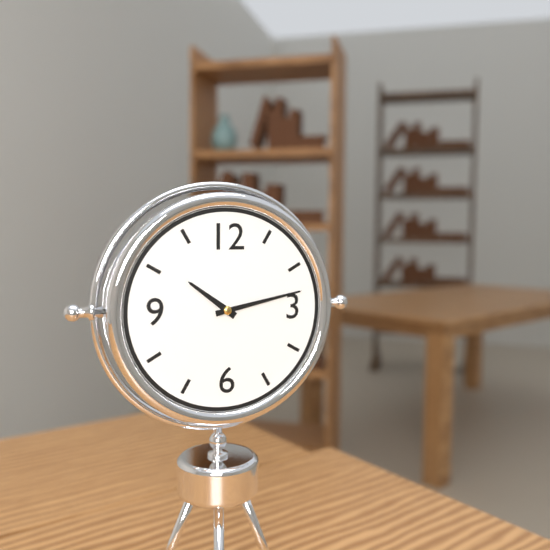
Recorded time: 10:13
